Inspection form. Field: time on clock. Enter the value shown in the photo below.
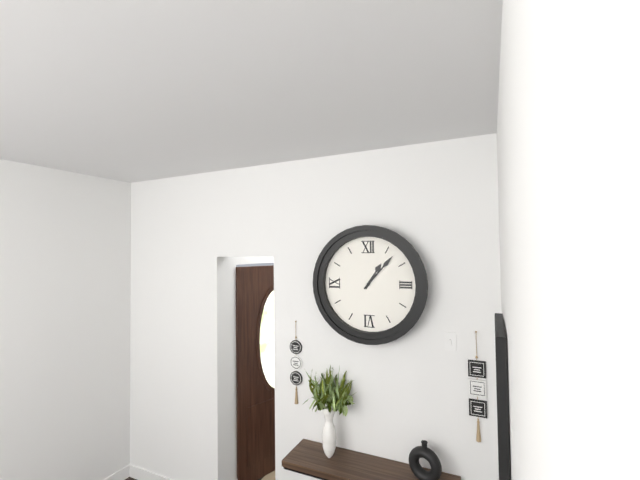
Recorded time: 1:07
